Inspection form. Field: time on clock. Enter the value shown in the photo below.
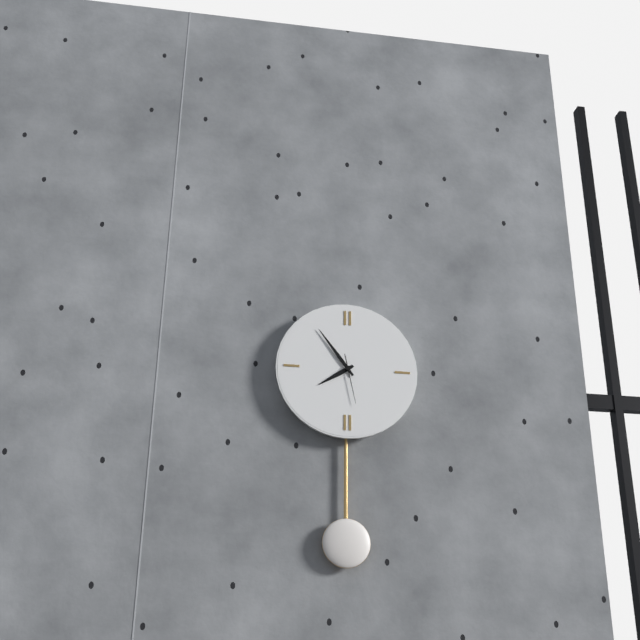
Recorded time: 7:54
